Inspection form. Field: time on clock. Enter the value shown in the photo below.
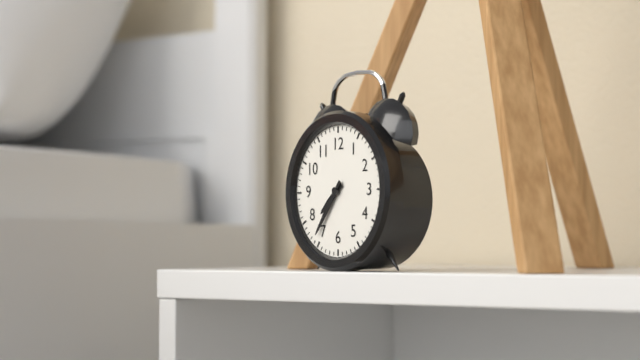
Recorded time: 7:36
